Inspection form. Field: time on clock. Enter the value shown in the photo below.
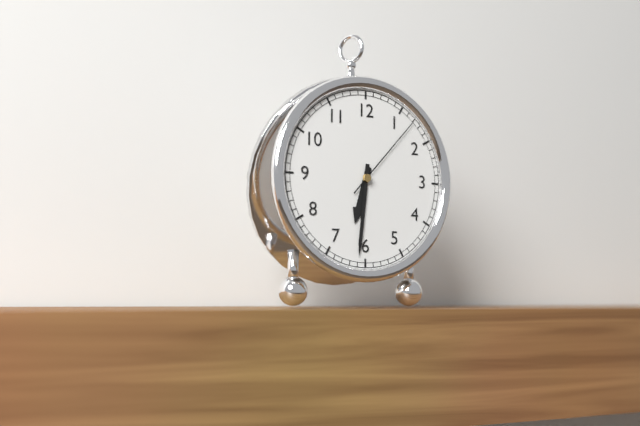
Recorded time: 6:31:07
